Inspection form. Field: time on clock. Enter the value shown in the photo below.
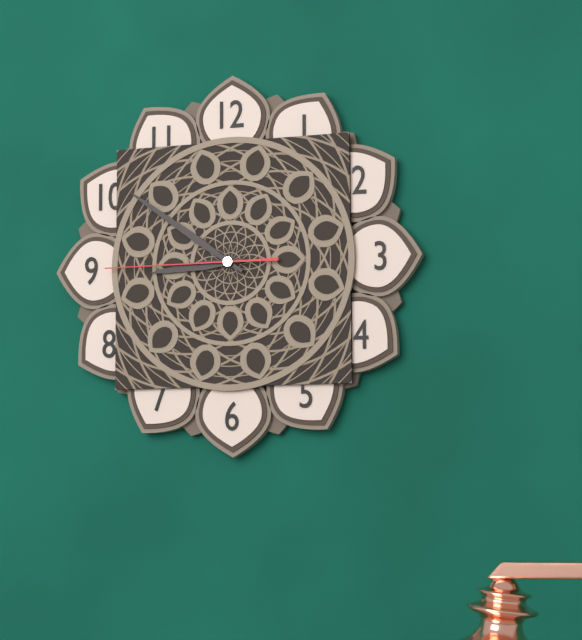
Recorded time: 8:51:45
